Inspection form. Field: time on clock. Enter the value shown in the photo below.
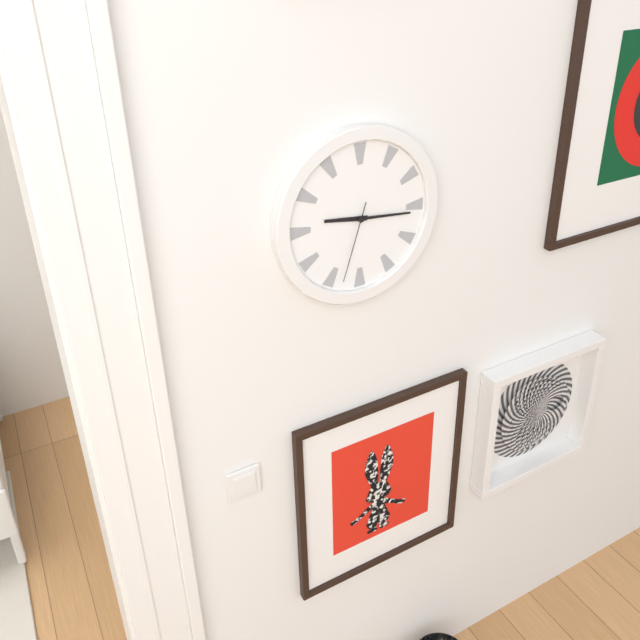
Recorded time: 9:16:33
